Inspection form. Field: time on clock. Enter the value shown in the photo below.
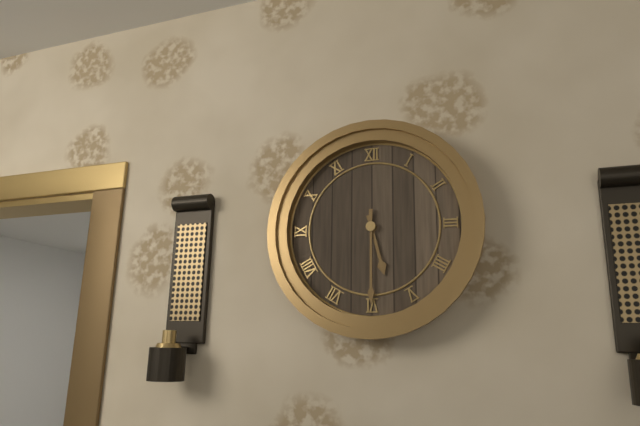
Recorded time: 5:30
